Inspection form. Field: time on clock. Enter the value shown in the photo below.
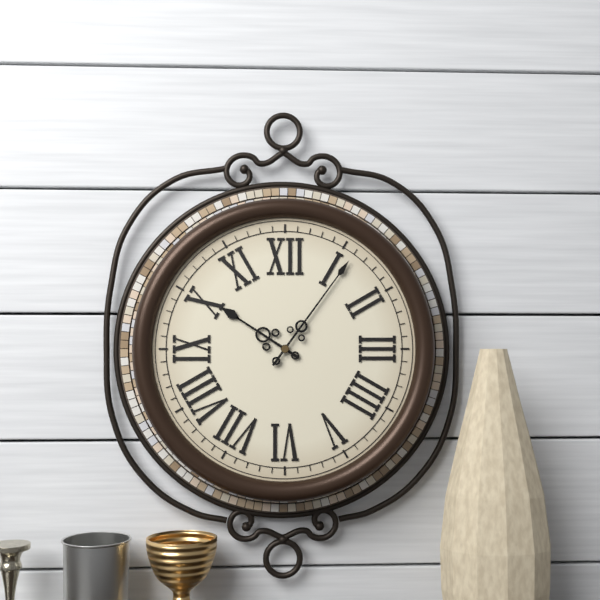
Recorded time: 10:06
